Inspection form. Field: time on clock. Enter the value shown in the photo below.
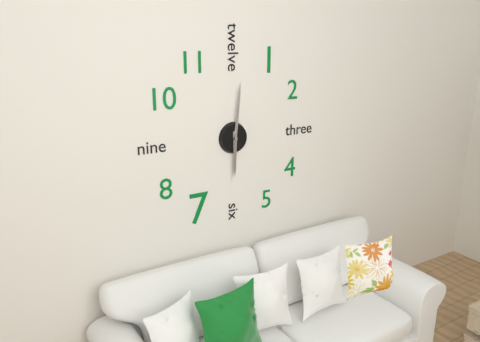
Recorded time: 6:01:31
